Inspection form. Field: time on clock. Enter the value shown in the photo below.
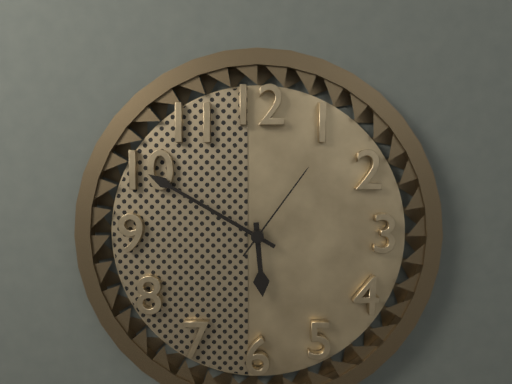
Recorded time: 5:50:06
